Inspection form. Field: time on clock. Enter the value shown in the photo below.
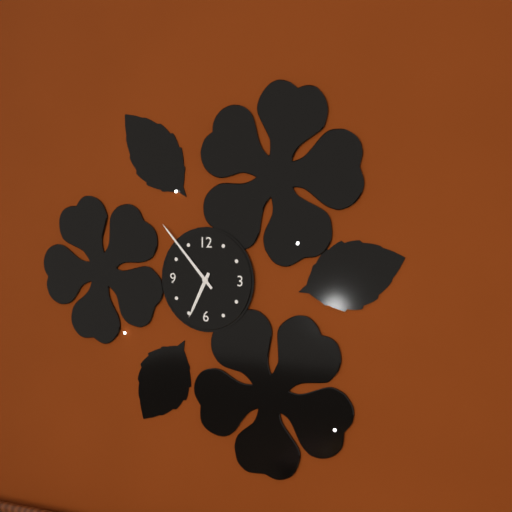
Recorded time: 6:53
